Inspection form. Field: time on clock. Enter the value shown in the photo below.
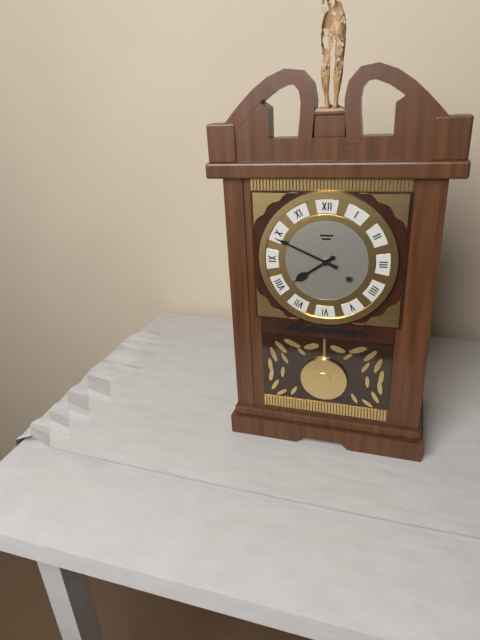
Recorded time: 7:49
